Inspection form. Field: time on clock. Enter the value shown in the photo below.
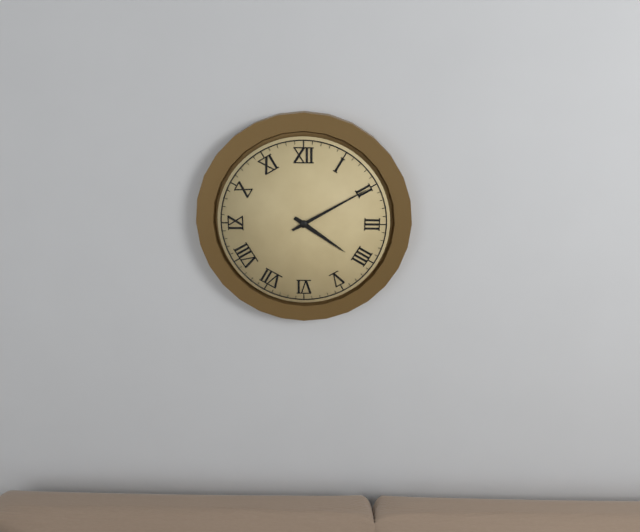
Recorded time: 4:10
